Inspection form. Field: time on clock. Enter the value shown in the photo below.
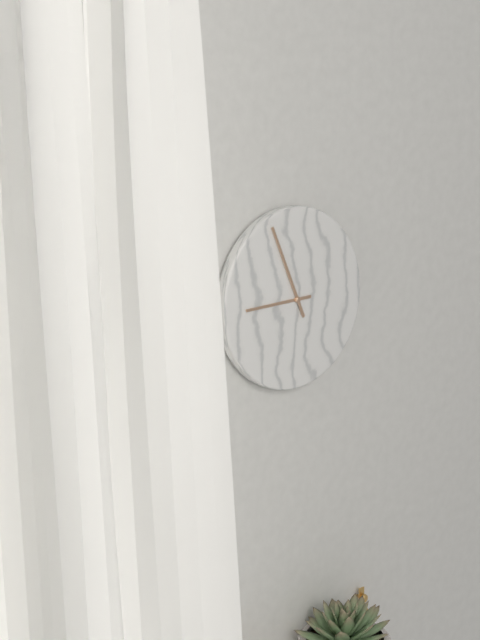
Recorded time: 8:56
